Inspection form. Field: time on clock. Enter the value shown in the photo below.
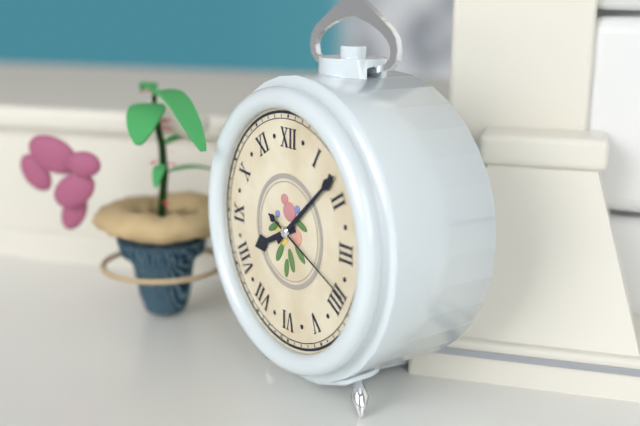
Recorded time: 8:08:19
